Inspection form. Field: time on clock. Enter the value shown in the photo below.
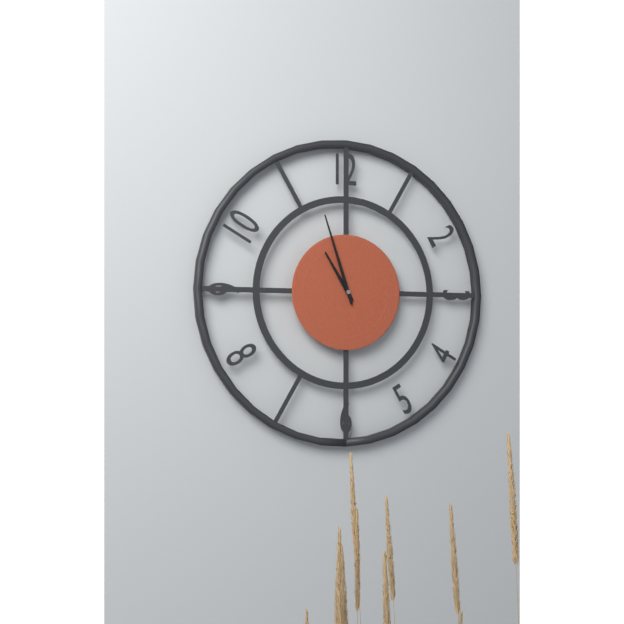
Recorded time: 10:57
